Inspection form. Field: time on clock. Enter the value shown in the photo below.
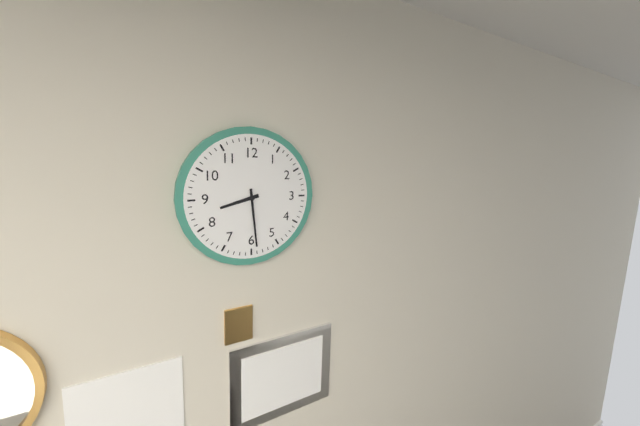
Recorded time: 8:29
